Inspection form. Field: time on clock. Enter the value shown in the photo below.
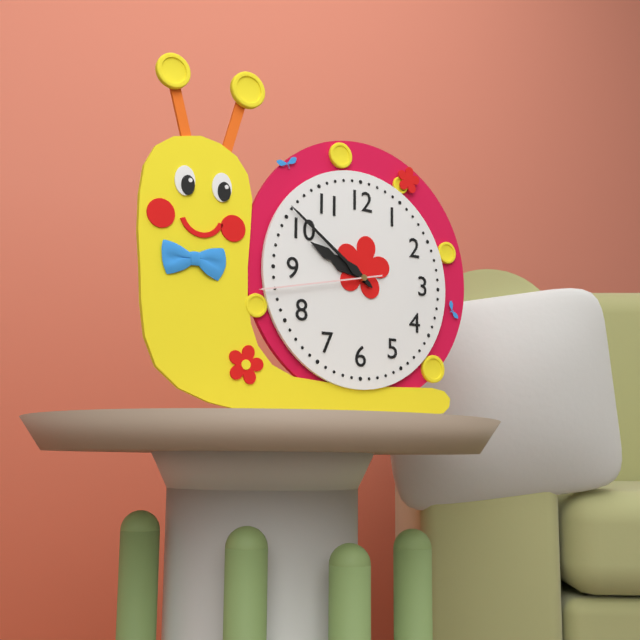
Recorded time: 9:51:43
